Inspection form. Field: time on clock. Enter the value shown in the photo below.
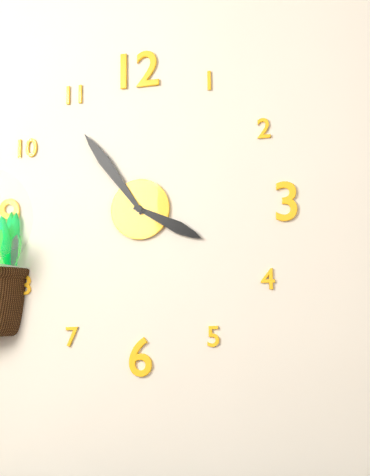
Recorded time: 3:54
